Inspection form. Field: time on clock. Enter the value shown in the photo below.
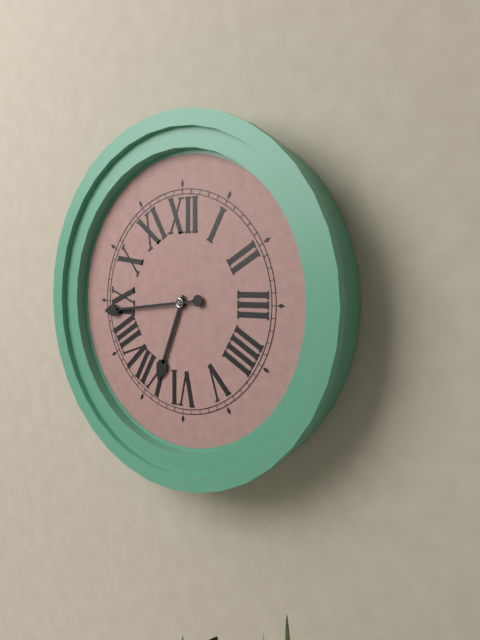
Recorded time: 6:44
